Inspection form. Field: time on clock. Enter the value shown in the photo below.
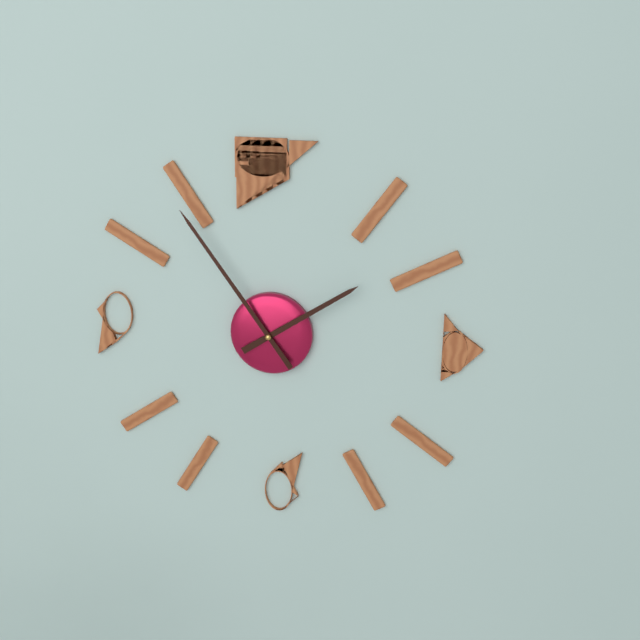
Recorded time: 1:54
